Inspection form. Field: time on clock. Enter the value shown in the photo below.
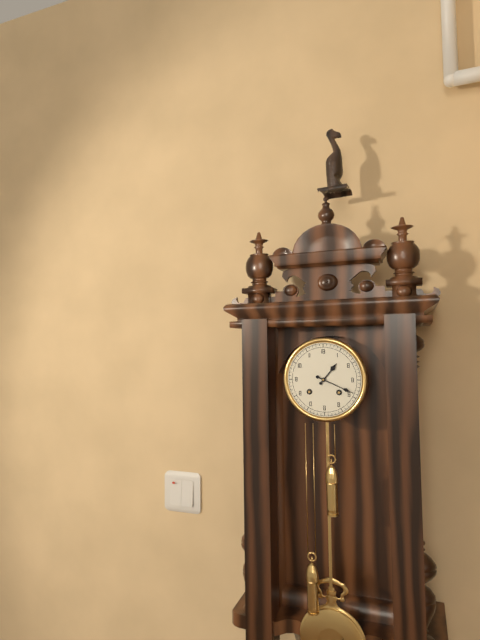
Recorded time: 1:19
